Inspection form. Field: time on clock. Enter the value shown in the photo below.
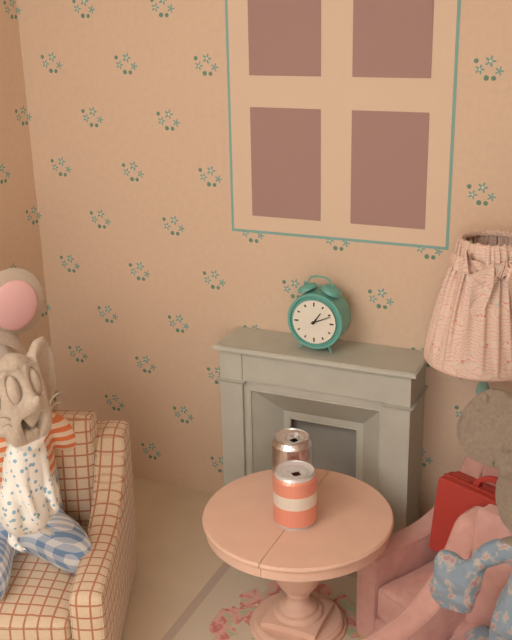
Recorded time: 1:11
